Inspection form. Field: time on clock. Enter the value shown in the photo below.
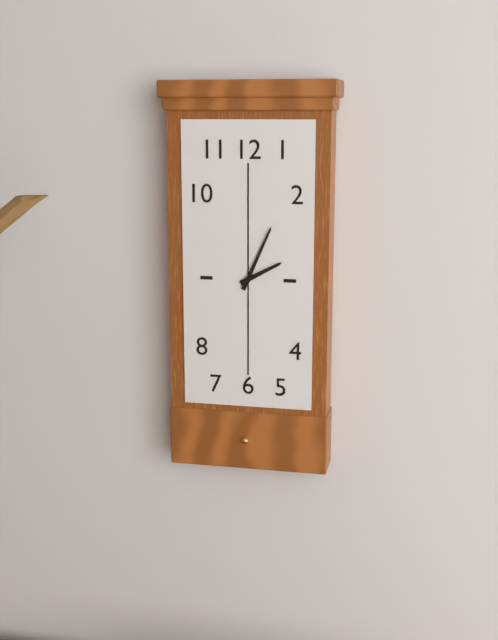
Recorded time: 2:04
